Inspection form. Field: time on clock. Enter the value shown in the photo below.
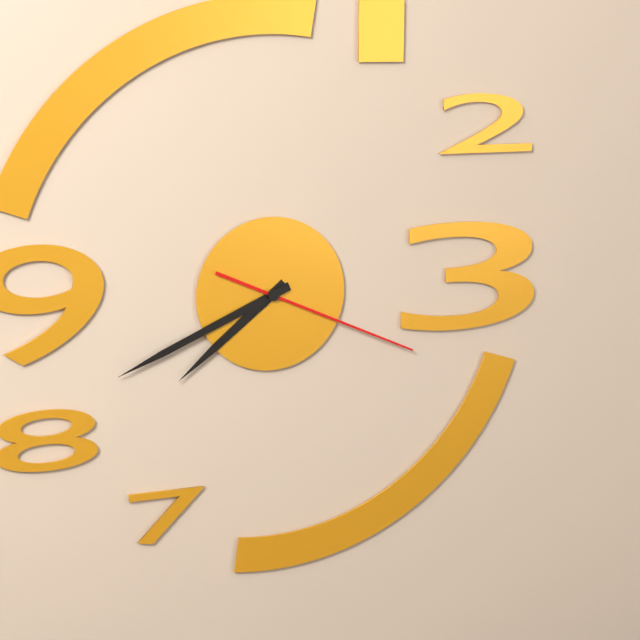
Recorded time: 7:41:19
